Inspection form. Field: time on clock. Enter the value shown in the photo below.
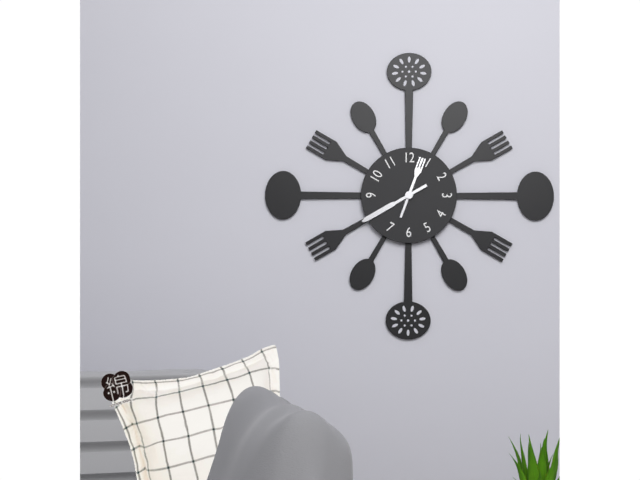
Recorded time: 12:40
